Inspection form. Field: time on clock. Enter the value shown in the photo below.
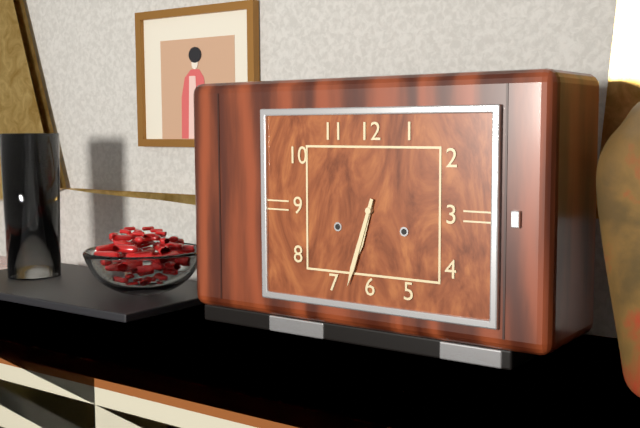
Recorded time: 6:33
